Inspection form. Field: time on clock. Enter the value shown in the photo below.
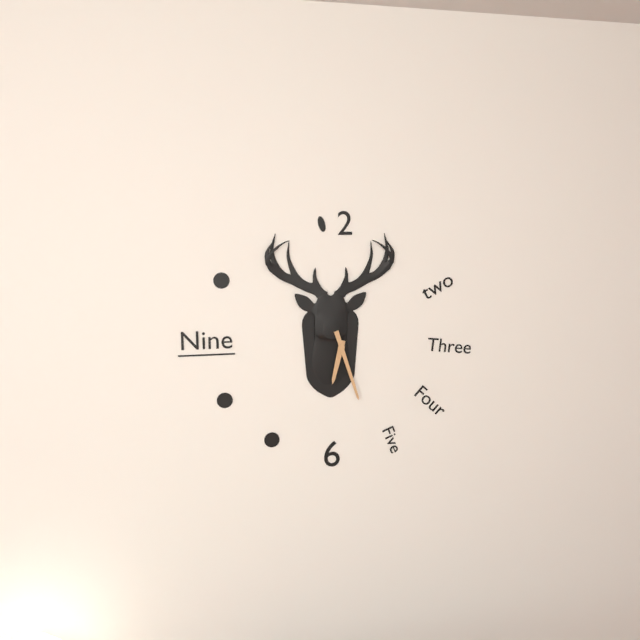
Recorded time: 6:27
